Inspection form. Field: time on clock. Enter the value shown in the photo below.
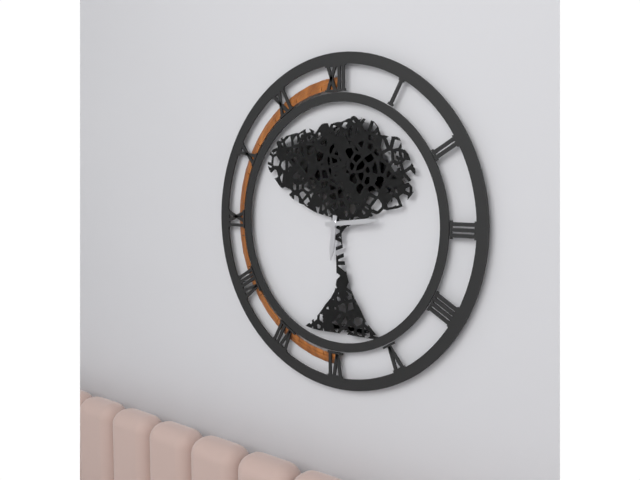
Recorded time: 6:14
